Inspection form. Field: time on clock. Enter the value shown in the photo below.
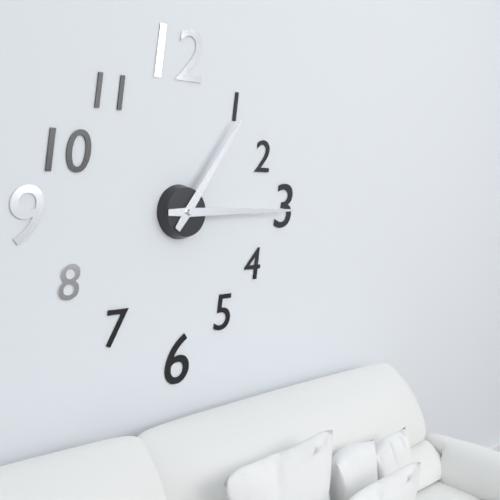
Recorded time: 1:15
